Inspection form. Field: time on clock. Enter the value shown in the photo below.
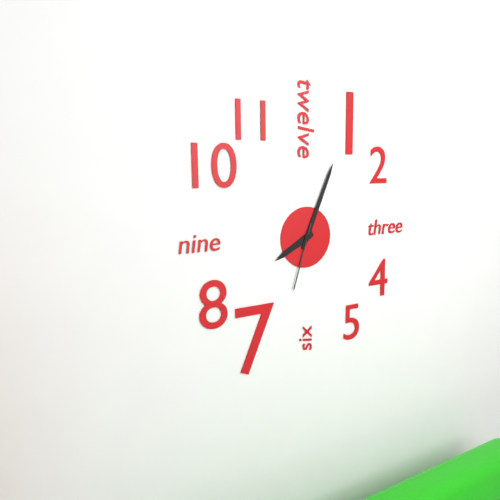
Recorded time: 8:04:33
